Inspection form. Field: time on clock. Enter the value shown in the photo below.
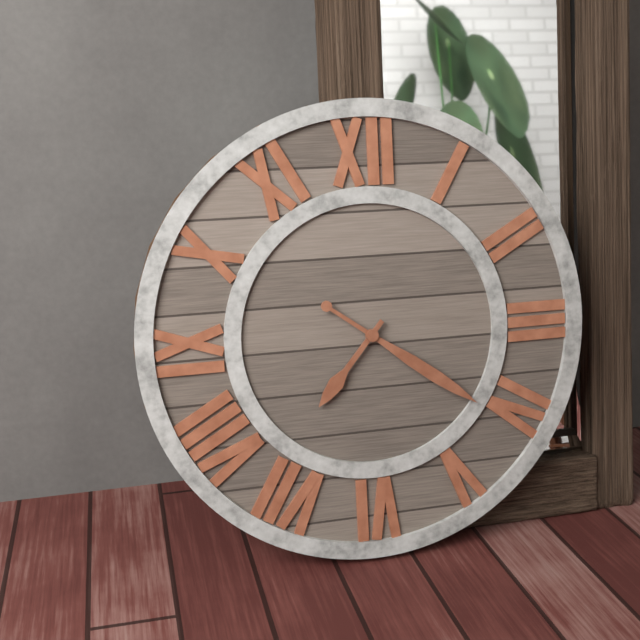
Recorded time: 7:21
